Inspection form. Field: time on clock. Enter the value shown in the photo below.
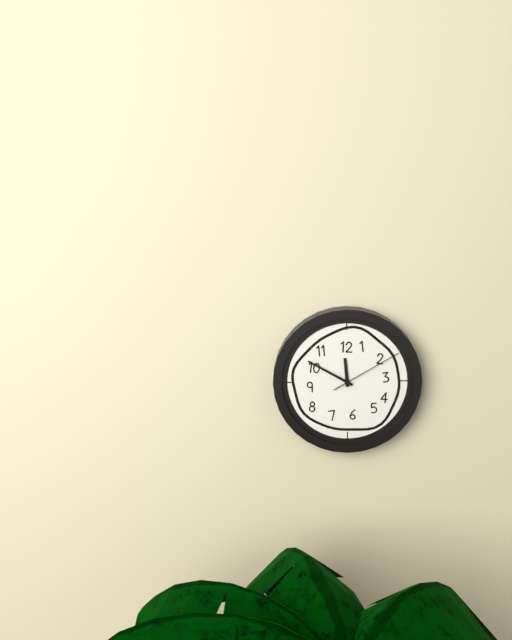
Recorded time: 11:50:10
